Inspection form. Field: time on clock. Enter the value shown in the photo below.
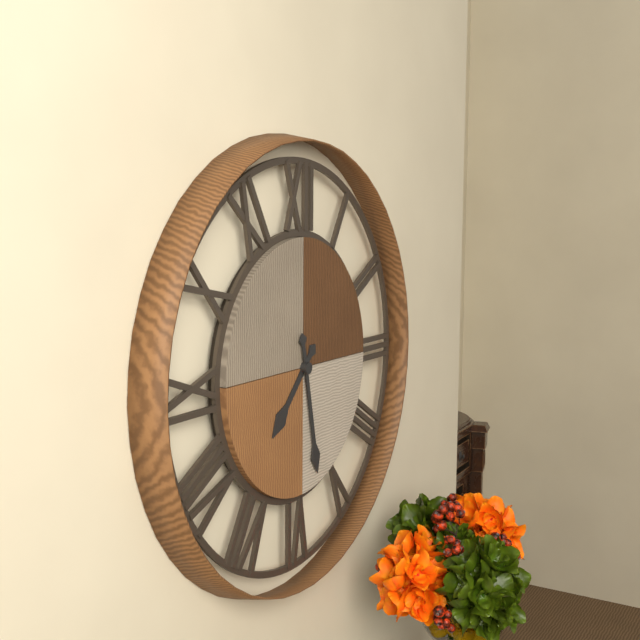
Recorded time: 7:28
